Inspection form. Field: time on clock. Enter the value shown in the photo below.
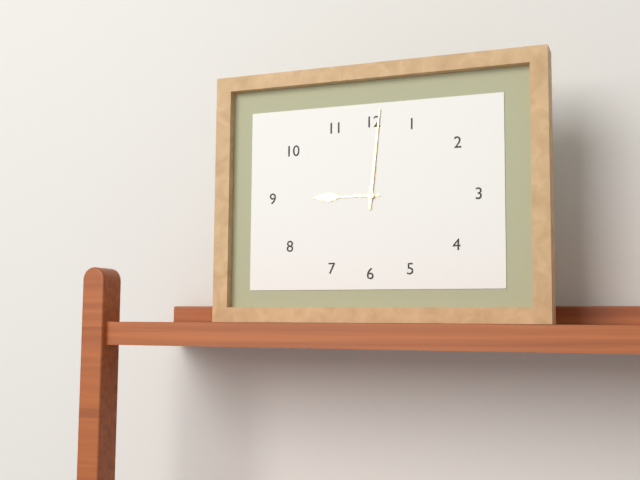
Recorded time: 9:01
